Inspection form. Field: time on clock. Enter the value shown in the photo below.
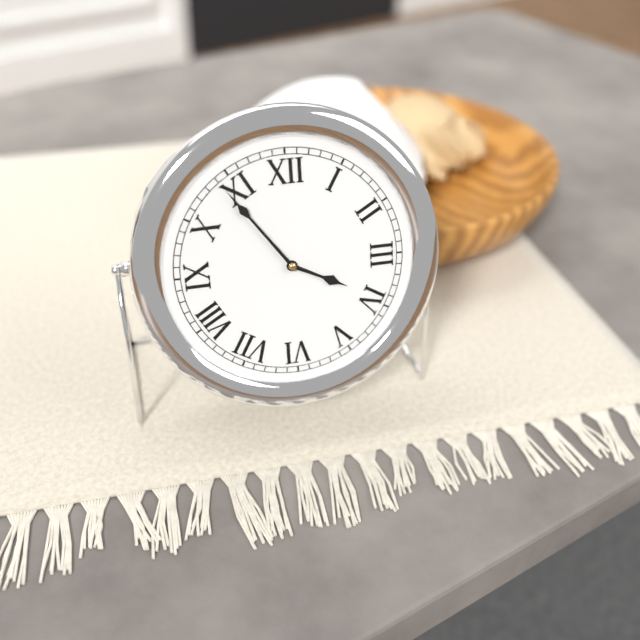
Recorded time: 3:54
